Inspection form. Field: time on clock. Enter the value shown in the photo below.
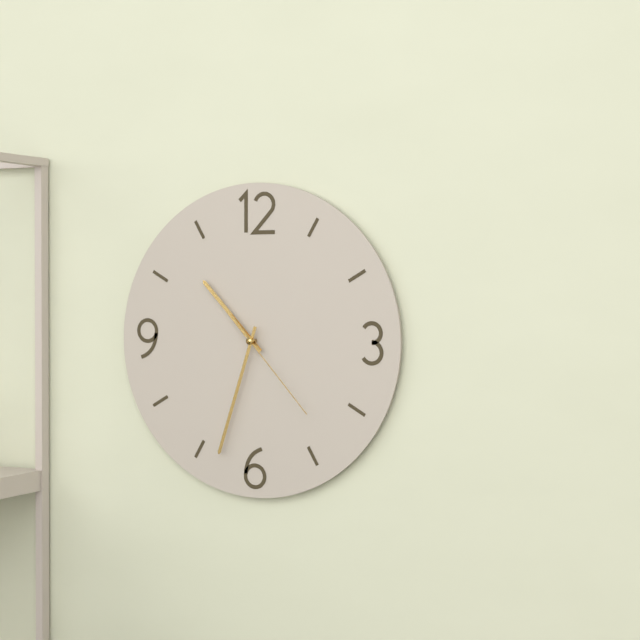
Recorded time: 10:33:23
